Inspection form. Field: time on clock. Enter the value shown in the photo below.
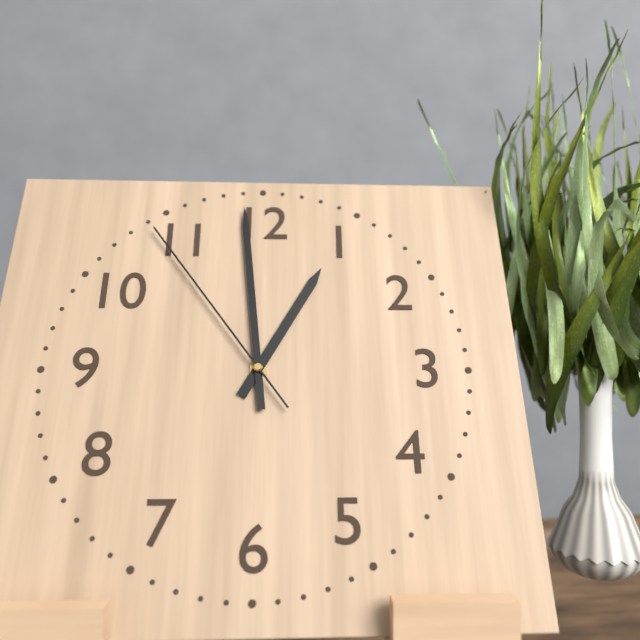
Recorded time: 12:59:54
